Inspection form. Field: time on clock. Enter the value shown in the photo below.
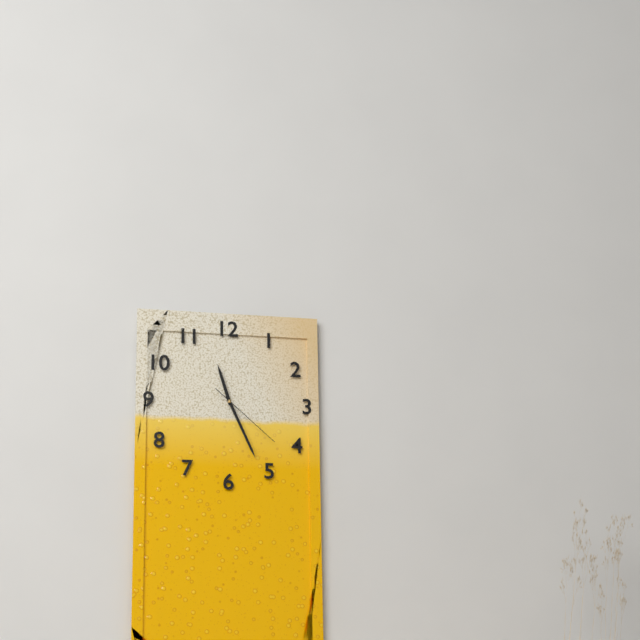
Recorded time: 11:26:22
